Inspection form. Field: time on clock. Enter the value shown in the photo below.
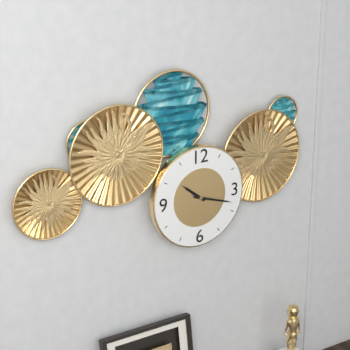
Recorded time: 10:18
